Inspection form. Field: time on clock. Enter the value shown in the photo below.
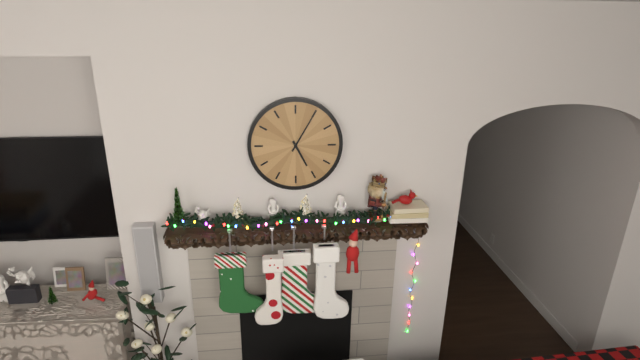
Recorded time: 5:05
